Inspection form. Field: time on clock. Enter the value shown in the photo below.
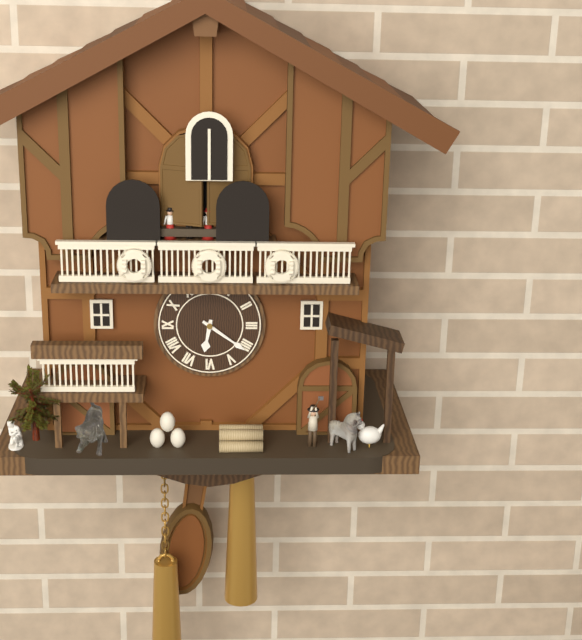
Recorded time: 6:21
